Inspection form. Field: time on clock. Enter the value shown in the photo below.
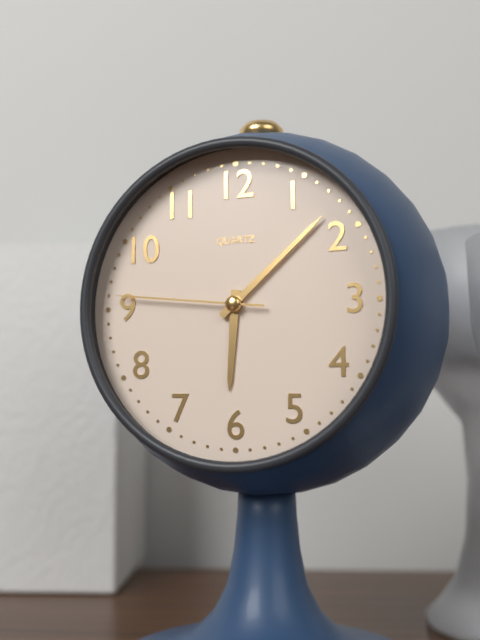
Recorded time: 6:08:46
